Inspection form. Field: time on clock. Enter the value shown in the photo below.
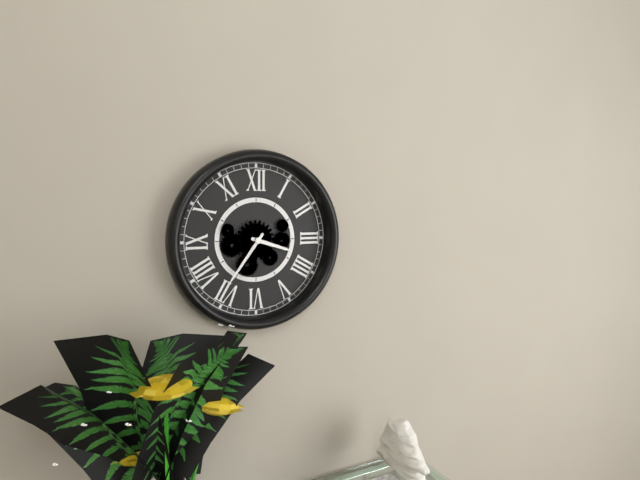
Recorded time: 3:36
